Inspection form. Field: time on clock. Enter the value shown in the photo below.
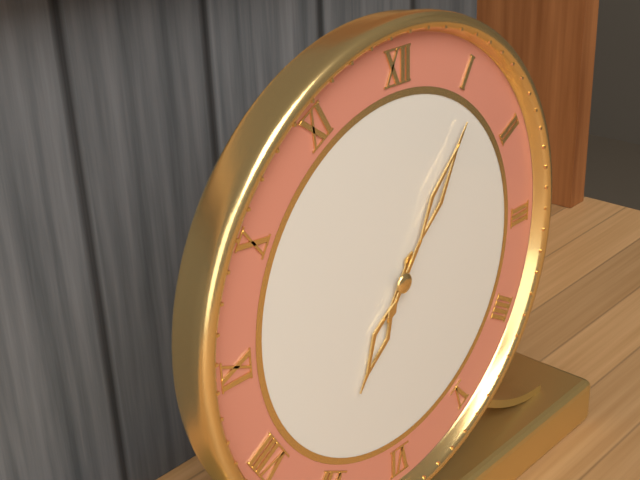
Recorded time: 7:06
